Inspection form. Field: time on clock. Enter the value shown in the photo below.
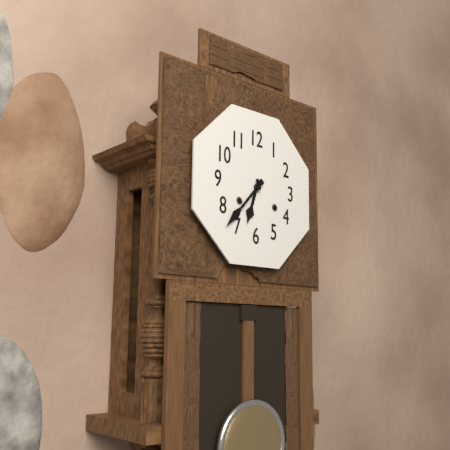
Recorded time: 6:37
